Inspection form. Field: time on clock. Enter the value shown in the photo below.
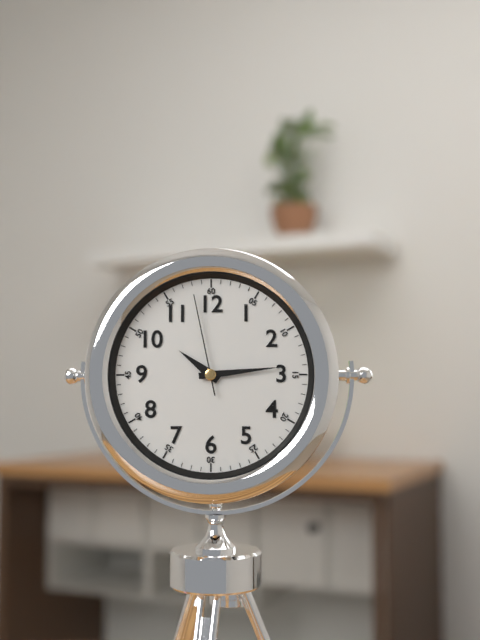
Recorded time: 10:14:58
